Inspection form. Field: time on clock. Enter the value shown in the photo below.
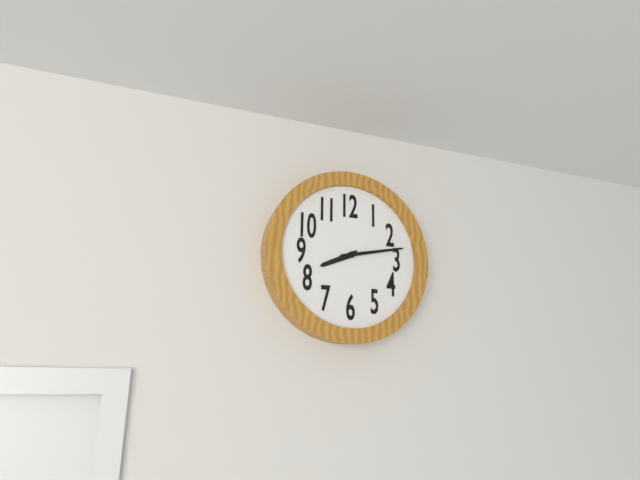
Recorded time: 8:13
